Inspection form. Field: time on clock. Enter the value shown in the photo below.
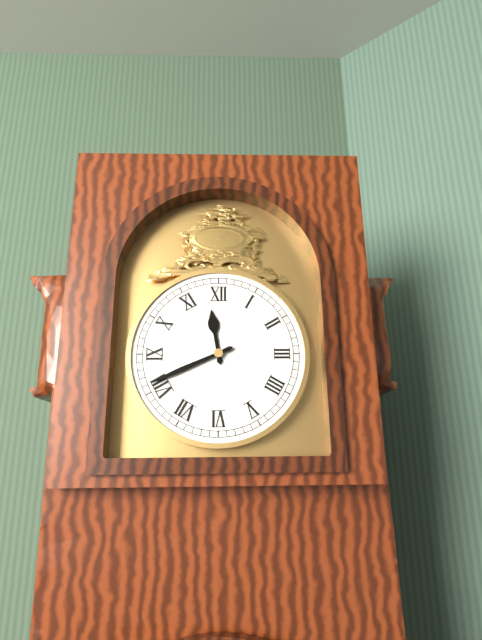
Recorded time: 11:41
